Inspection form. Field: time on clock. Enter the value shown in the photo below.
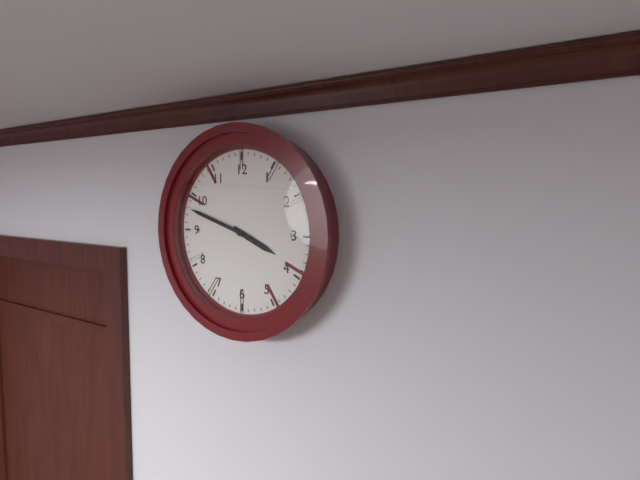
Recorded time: 3:48
